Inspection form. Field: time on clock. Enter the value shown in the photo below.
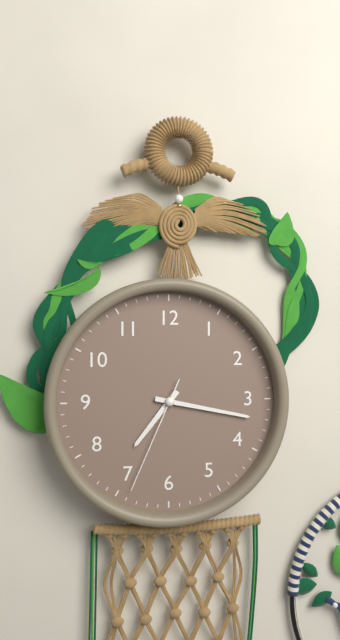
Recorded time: 7:17:34
